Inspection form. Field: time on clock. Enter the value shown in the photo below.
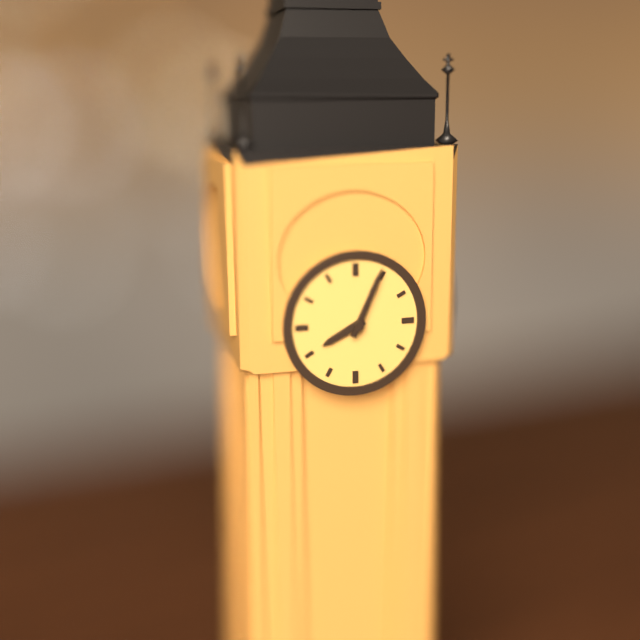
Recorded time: 8:04
